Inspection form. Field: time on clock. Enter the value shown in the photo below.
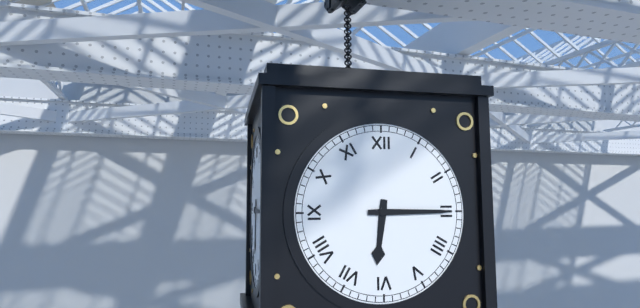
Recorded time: 6:15
